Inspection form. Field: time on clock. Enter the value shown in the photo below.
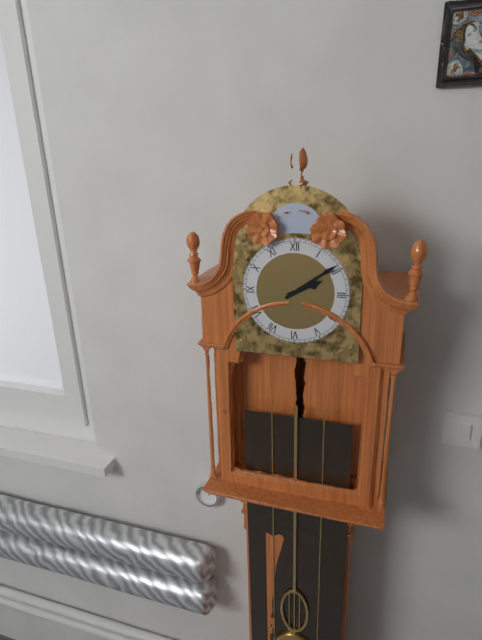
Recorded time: 2:09
